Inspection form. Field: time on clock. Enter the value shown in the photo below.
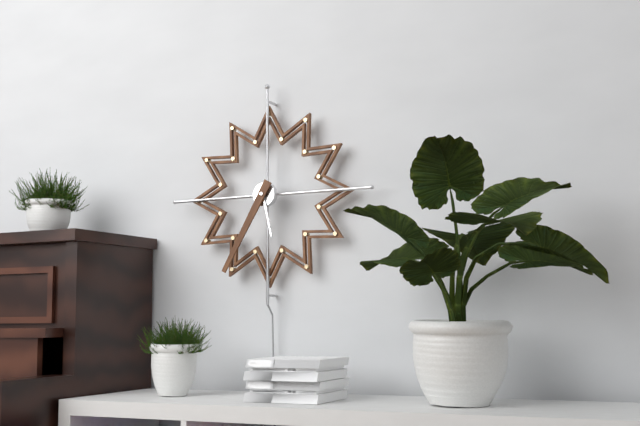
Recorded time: 5:35
